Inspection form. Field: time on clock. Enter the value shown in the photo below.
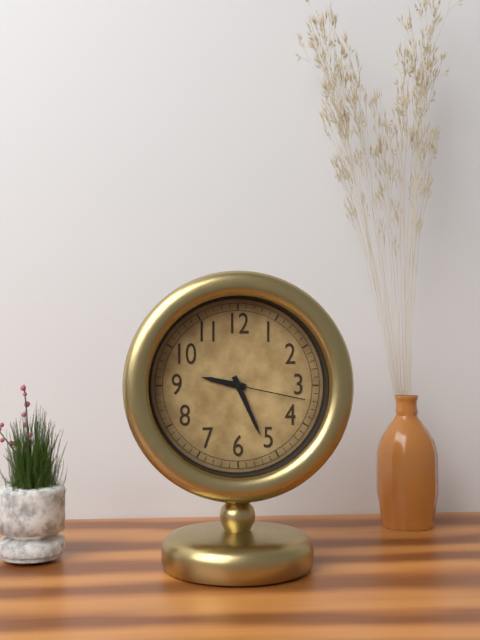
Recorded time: 9:26:17
